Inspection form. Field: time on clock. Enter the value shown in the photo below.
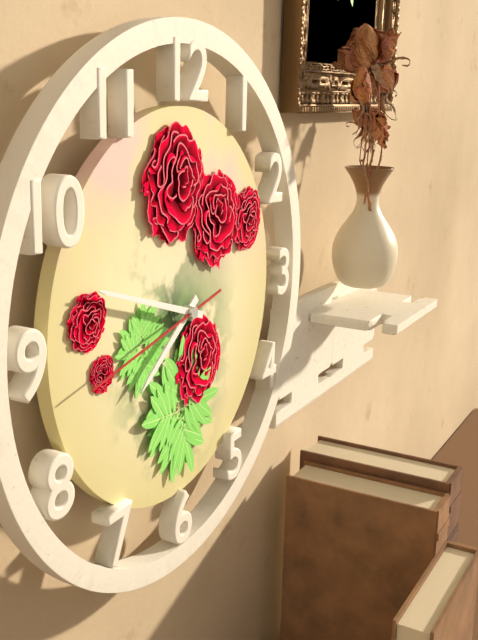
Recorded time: 7:48:43
